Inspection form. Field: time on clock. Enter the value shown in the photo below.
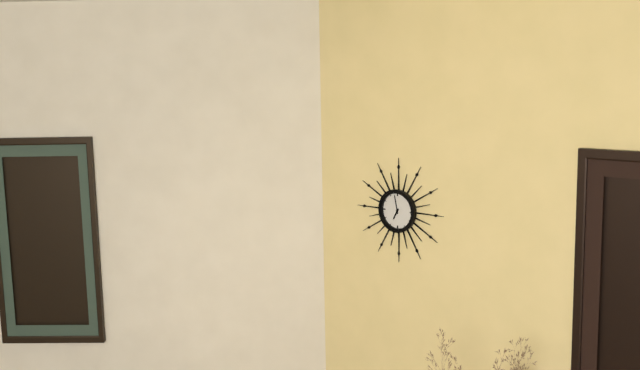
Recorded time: 6:58
